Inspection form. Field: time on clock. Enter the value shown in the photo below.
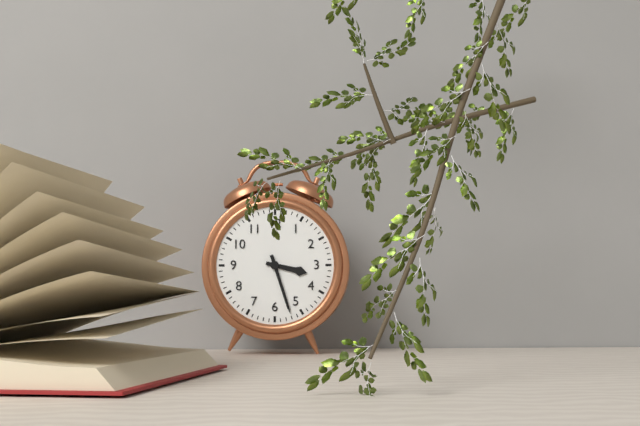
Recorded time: 3:27
